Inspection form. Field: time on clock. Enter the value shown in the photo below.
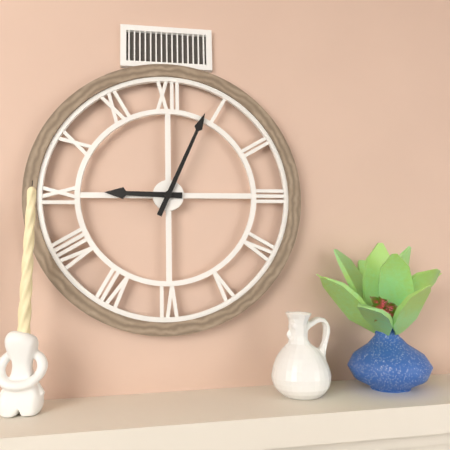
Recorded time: 9:04
